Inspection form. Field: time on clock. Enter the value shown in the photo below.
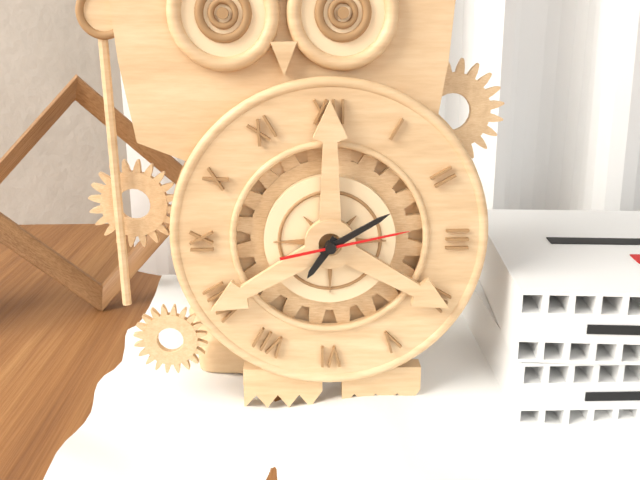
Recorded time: 7:10:13
